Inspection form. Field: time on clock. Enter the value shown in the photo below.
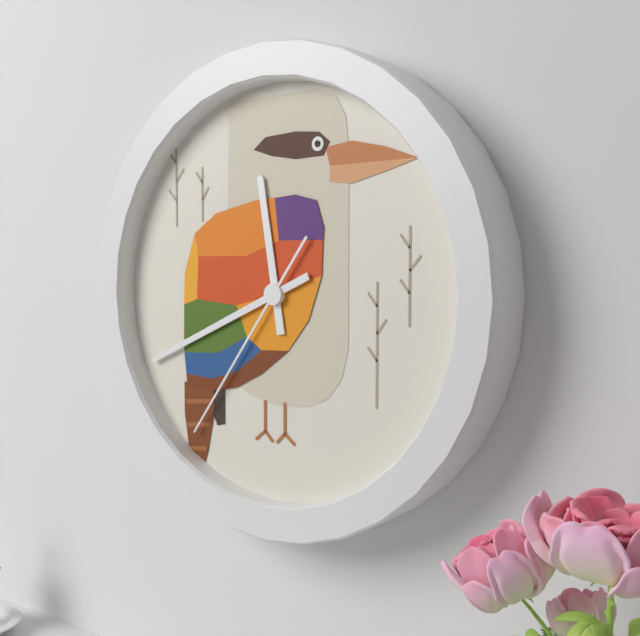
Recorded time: 11:41:36
